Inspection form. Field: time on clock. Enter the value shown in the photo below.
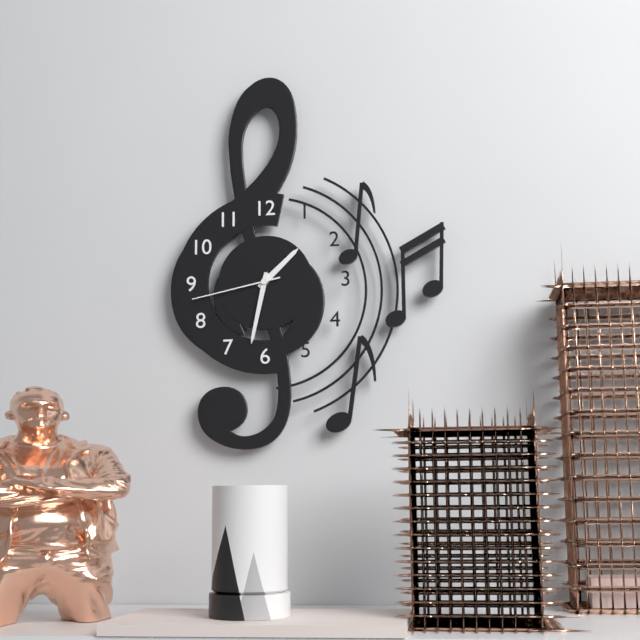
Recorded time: 1:32:43
